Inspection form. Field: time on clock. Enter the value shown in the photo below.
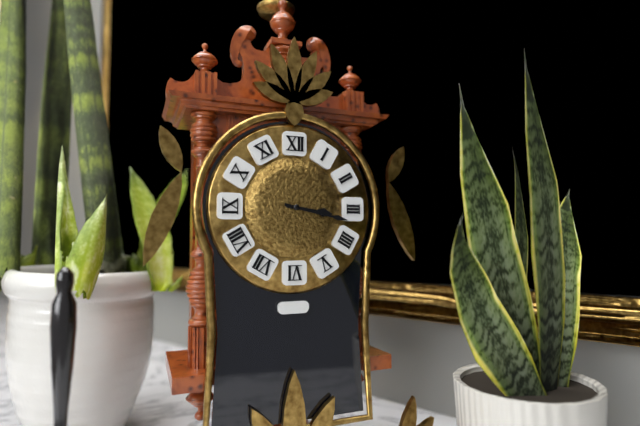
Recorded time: 3:17
